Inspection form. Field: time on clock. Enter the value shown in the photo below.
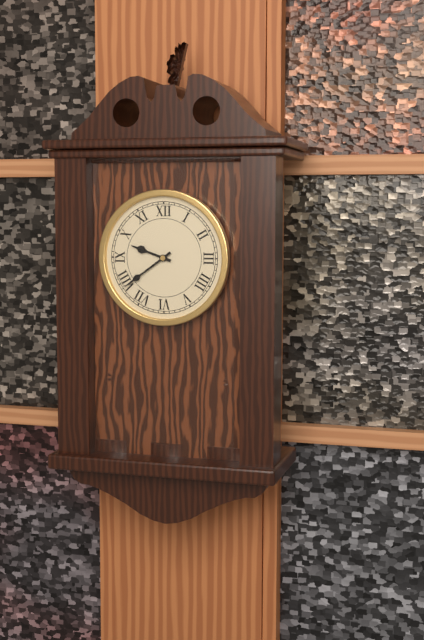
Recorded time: 9:39
